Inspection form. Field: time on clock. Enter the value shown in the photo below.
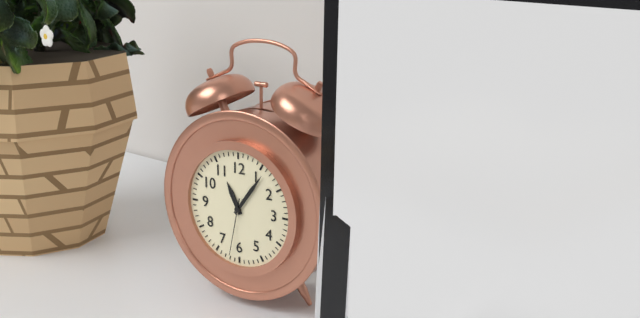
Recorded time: 11:06:32
